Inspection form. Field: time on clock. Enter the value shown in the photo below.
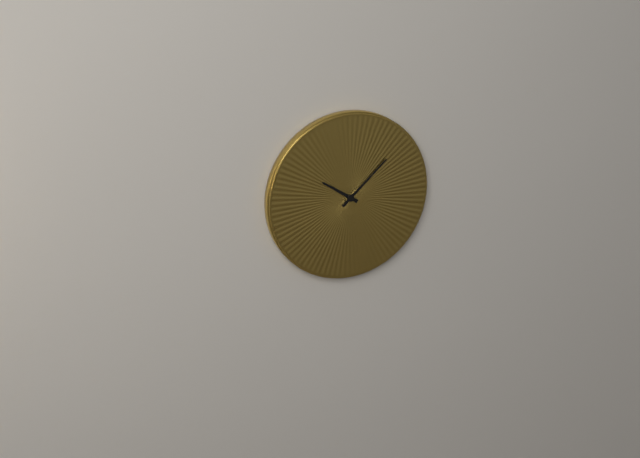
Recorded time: 10:08
